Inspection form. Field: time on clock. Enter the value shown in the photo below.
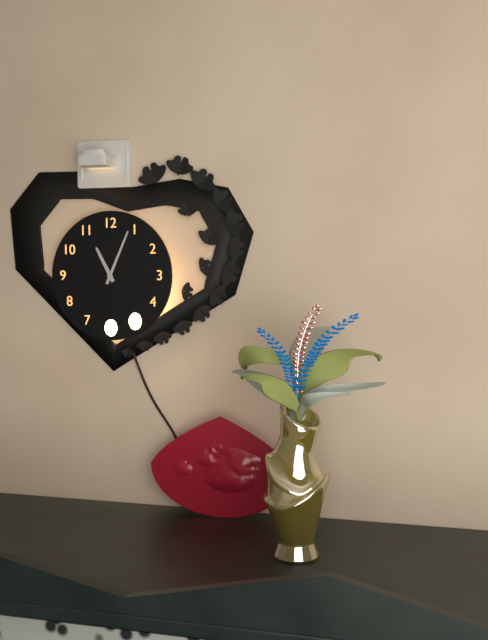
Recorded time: 11:04
